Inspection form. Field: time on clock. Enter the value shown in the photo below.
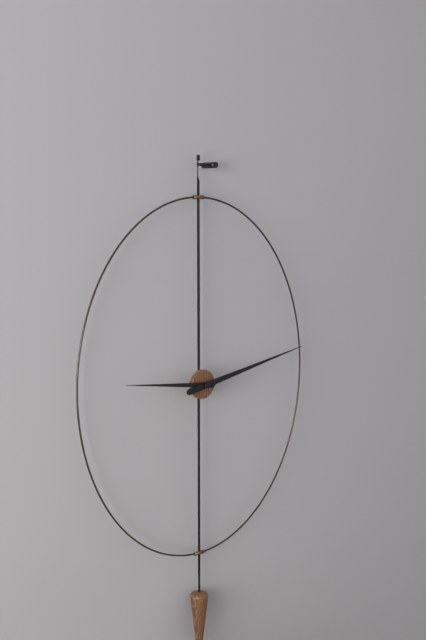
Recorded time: 9:13
